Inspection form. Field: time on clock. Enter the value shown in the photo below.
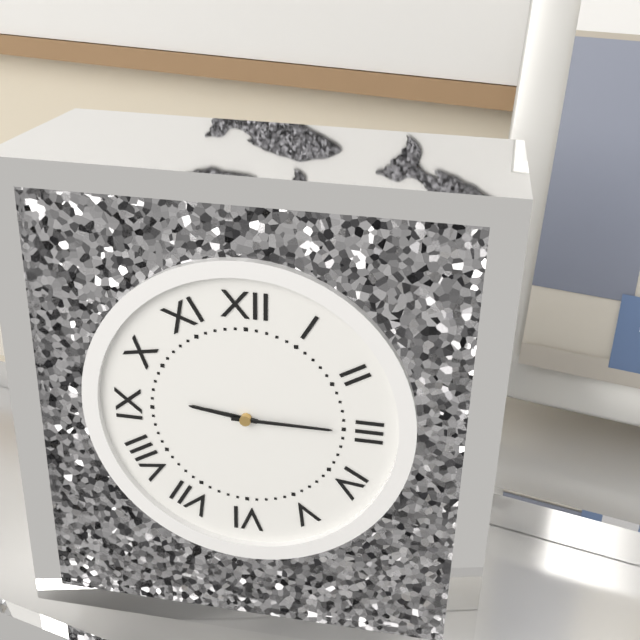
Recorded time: 9:15
